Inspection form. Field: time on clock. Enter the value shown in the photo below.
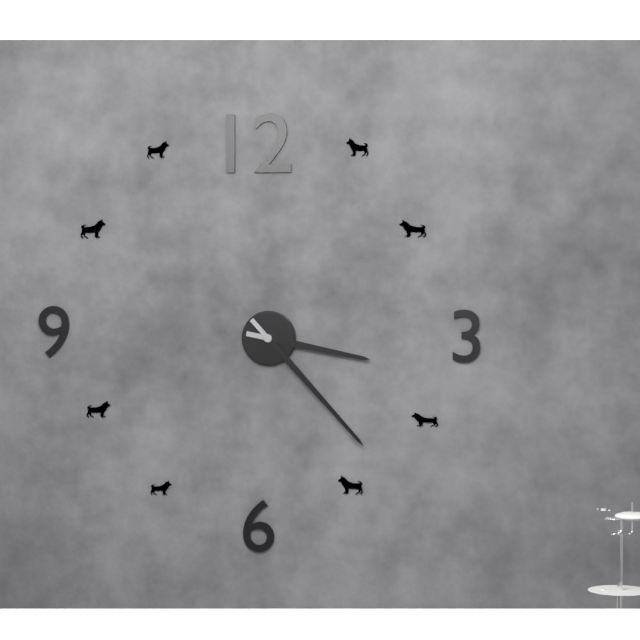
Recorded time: 3:23
